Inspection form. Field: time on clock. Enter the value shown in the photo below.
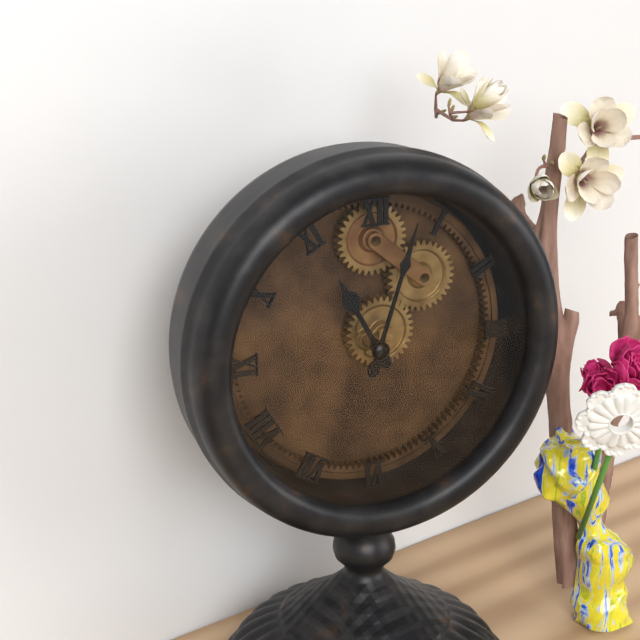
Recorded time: 11:03
